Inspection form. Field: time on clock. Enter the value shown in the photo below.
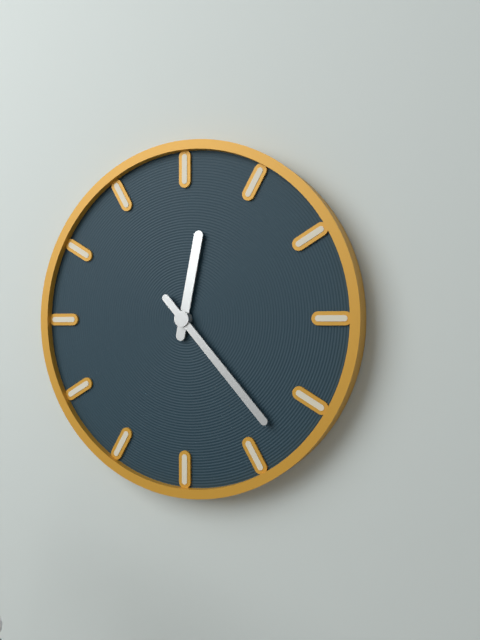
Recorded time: 12:23
